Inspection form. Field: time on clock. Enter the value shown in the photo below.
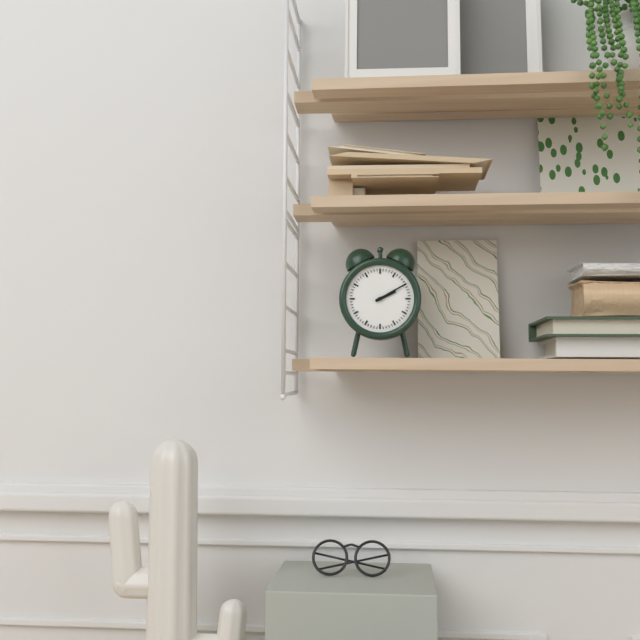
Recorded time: 2:10
